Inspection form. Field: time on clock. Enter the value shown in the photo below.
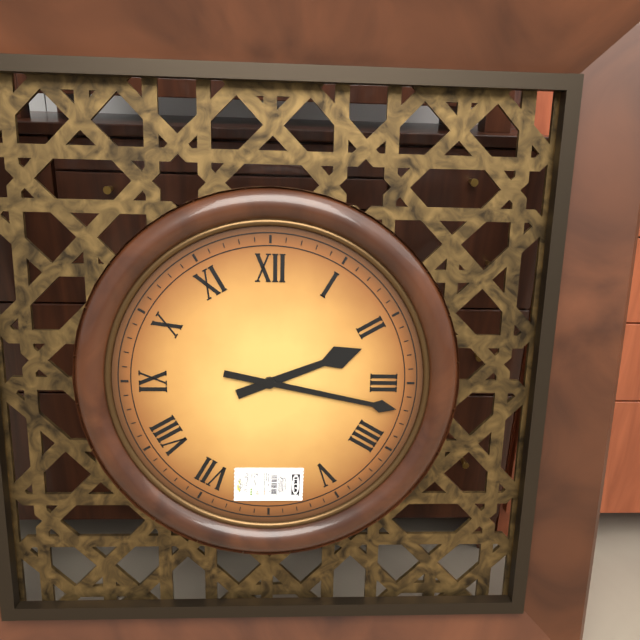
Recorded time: 2:17
